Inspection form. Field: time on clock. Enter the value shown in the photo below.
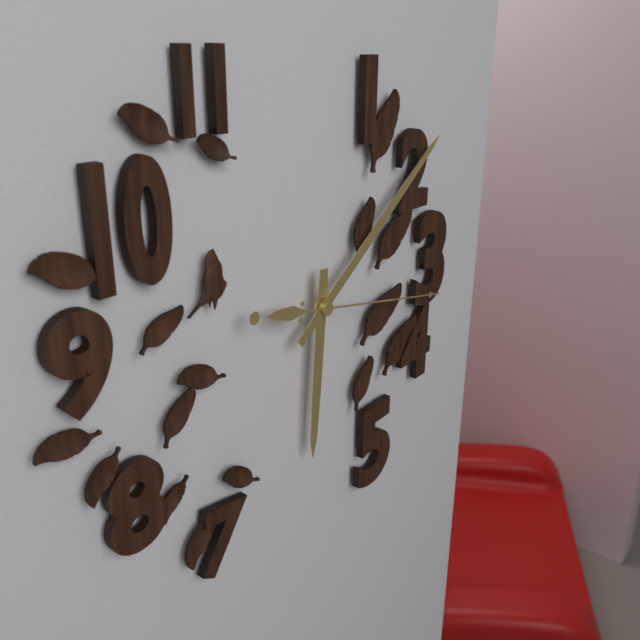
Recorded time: 6:09:17
